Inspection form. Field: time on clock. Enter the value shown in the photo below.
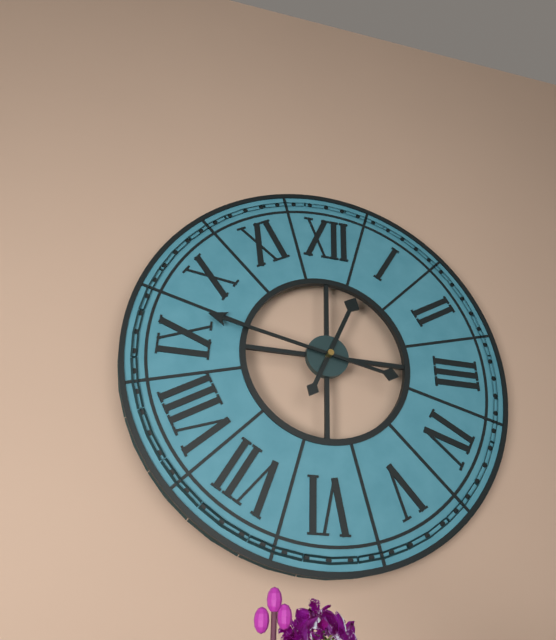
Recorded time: 12:47
